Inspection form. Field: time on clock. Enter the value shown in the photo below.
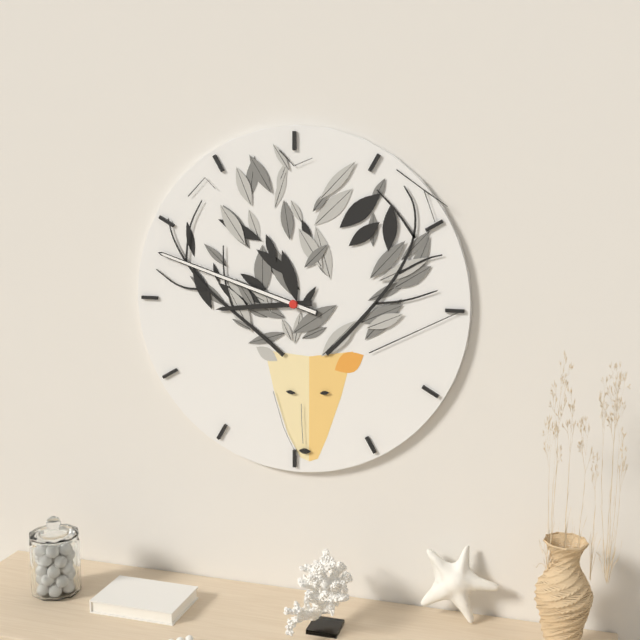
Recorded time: 8:48
